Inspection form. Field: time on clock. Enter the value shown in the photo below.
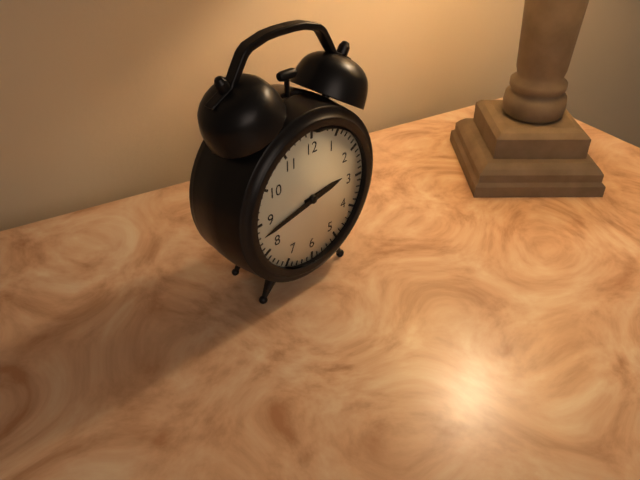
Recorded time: 2:43
